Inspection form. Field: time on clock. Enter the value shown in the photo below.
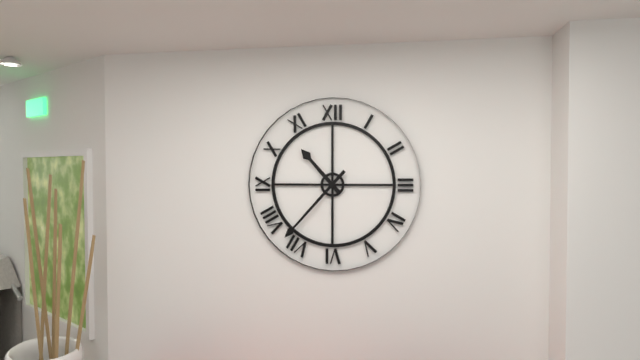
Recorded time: 10:37
